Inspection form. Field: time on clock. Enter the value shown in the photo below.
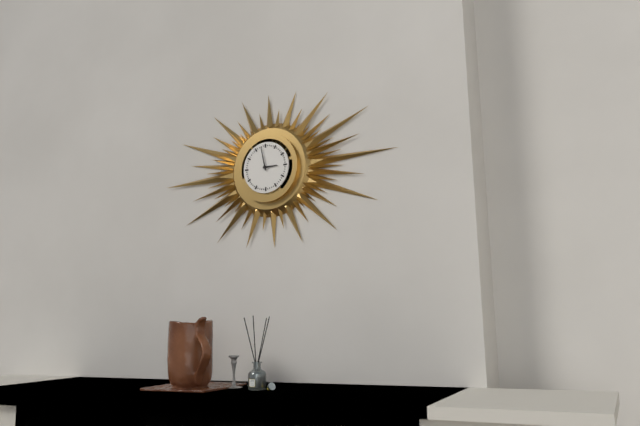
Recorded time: 2:58
